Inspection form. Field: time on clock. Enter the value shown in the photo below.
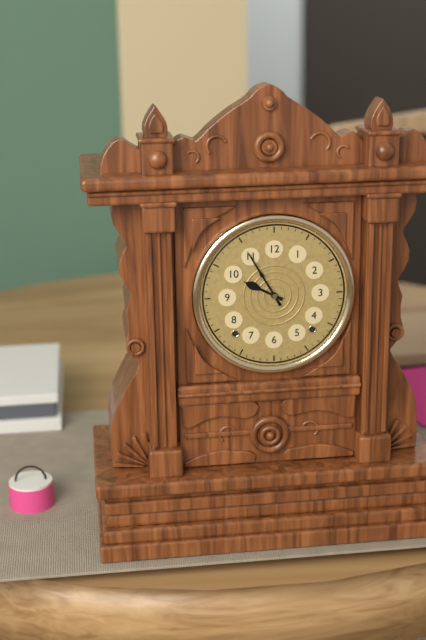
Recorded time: 9:55
